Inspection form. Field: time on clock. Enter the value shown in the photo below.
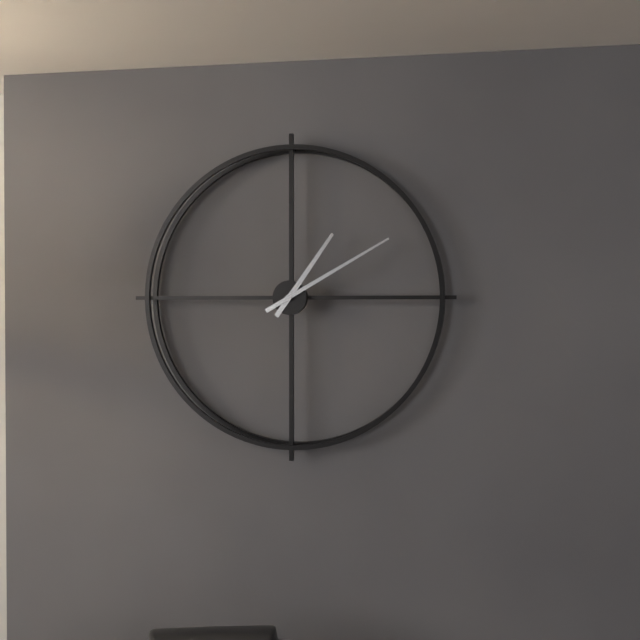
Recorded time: 1:10
